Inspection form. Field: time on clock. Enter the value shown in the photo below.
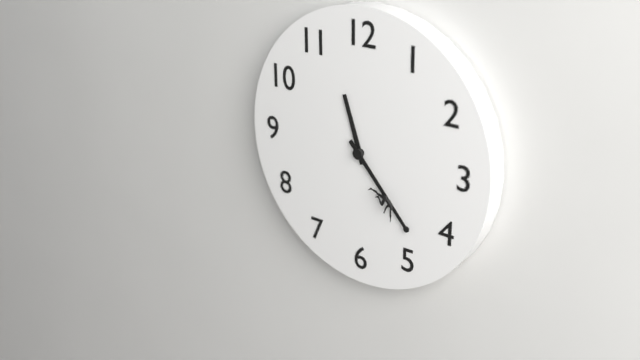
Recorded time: 11:23
